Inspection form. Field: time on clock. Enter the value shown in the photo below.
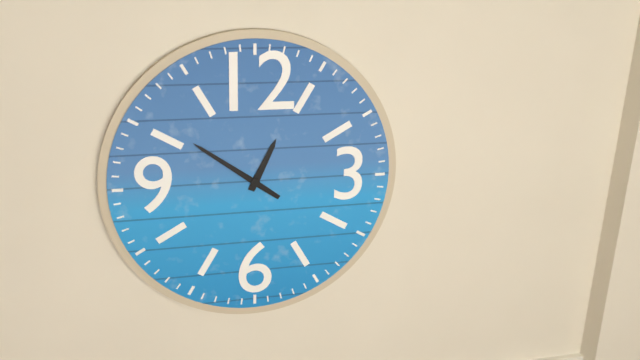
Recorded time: 12:51
